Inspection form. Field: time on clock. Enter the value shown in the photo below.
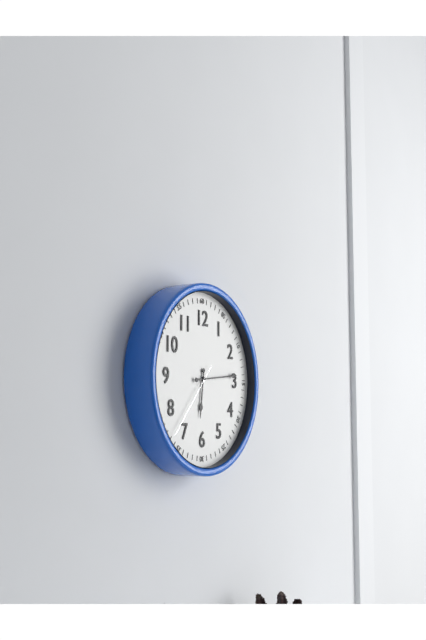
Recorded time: 6:14:37
